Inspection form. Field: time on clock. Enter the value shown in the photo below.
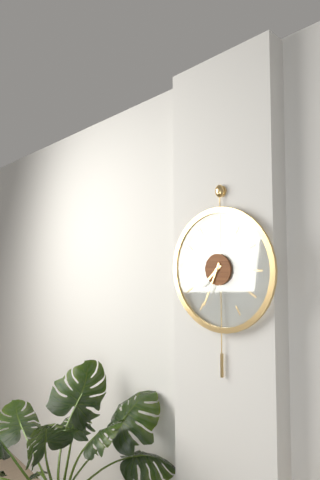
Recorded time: 7:34
